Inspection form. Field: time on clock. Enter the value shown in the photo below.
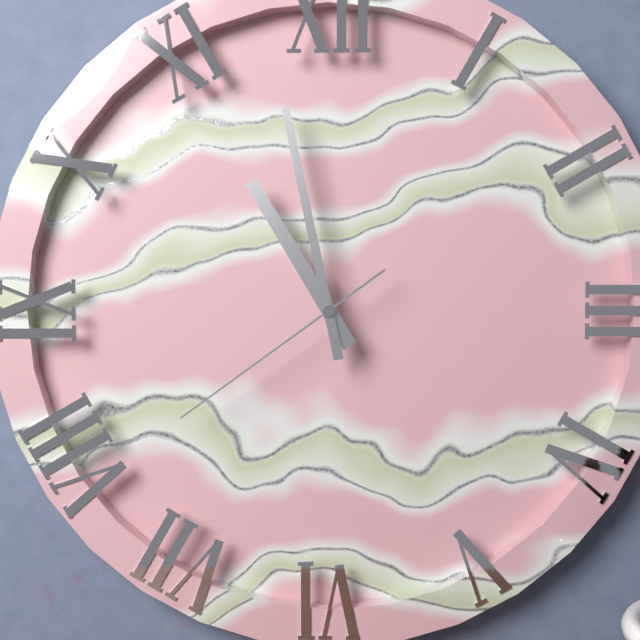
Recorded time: 10:58:39
